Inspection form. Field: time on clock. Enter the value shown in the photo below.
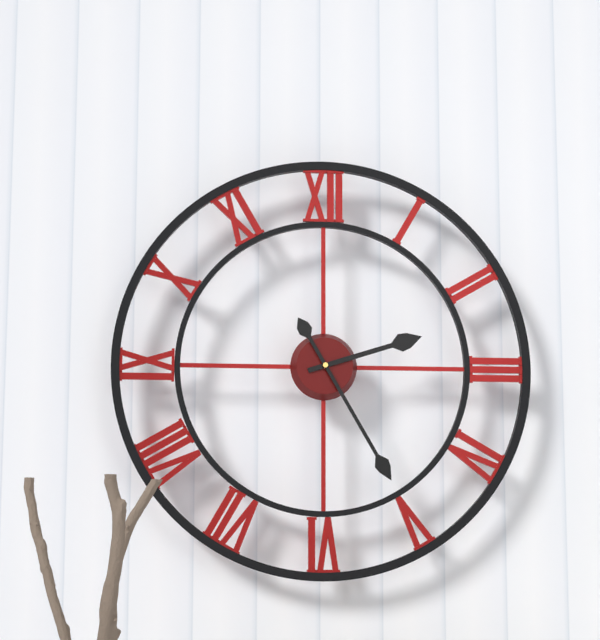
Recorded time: 2:25
